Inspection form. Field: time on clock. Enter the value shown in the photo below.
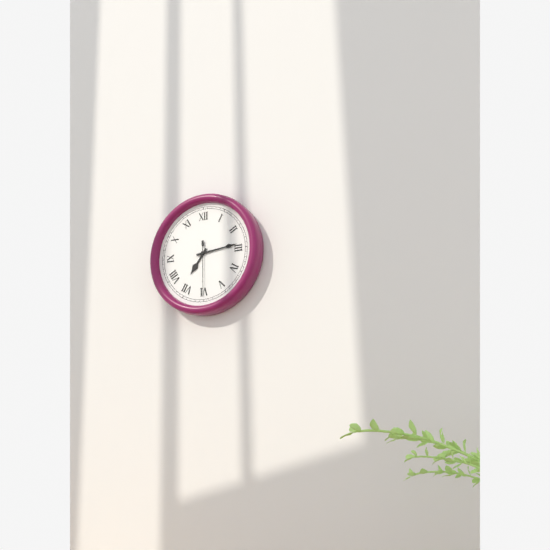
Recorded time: 7:14:30
